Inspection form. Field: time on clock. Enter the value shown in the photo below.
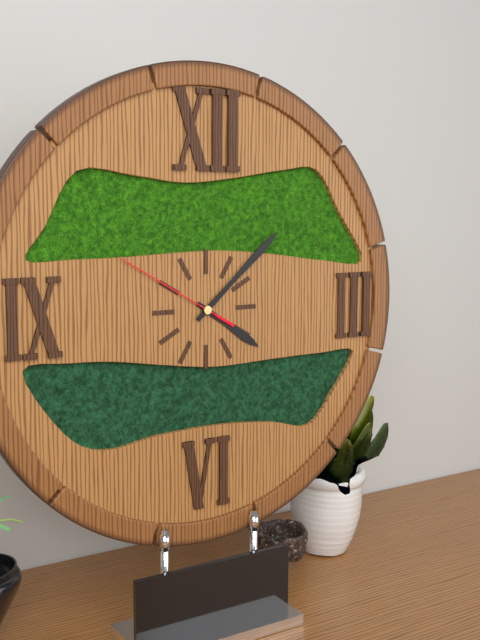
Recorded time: 4:08:50
